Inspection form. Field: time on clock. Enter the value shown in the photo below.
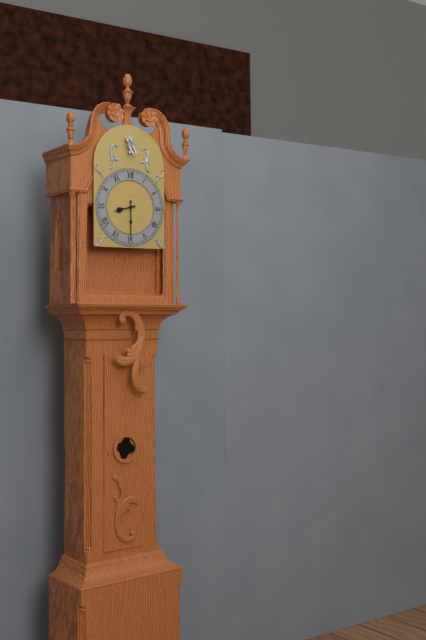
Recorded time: 8:30
